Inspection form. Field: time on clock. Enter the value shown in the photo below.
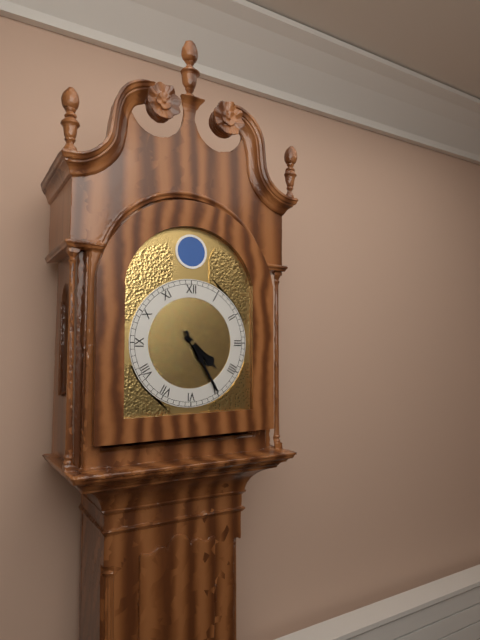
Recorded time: 4:25
